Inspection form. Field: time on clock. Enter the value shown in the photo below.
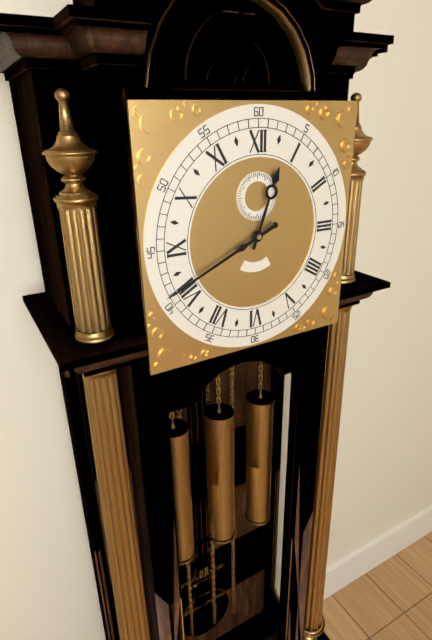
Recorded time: 12:41
